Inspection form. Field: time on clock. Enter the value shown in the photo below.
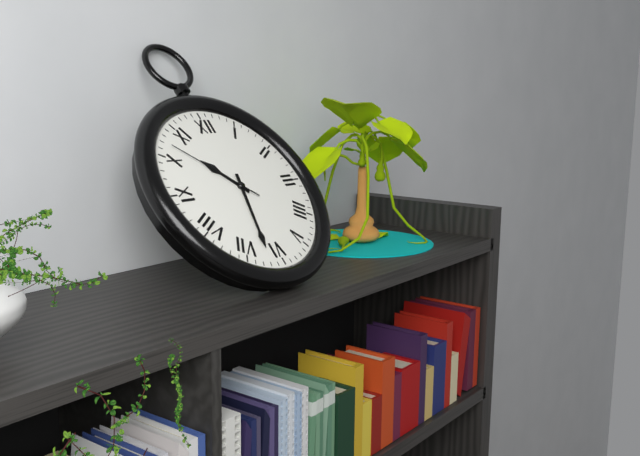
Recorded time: 10:32:52
